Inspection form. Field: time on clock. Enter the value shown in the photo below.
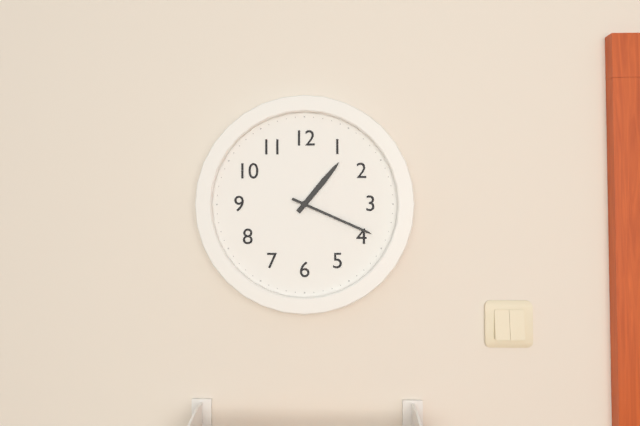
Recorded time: 1:19
